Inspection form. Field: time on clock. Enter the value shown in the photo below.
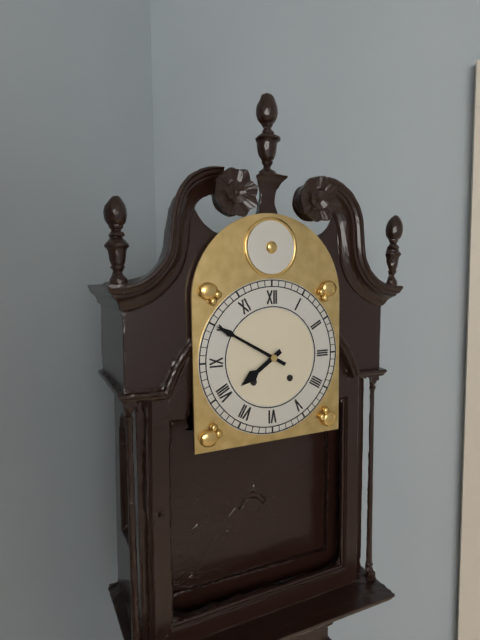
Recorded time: 7:50
